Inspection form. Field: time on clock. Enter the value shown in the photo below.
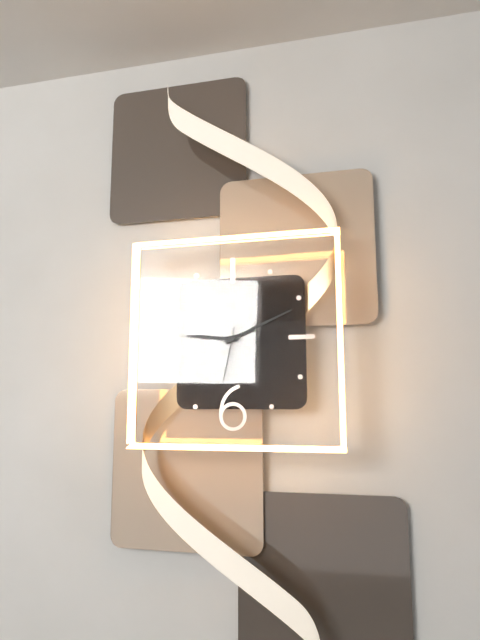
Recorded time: 9:11:32
